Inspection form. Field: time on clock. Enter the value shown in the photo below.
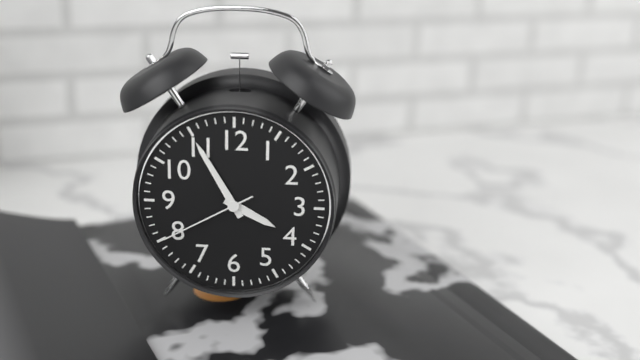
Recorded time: 3:55:40
